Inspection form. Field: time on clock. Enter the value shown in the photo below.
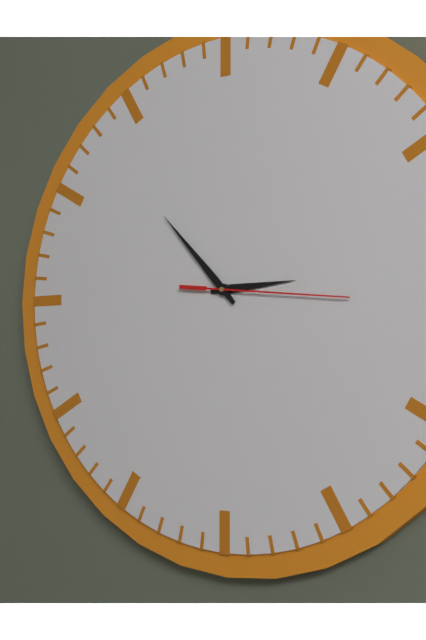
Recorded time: 2:53:16
